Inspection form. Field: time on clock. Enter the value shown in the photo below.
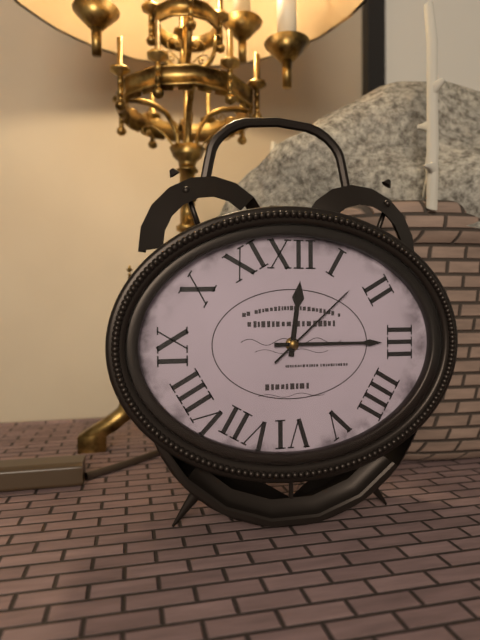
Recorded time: 12:15:08
